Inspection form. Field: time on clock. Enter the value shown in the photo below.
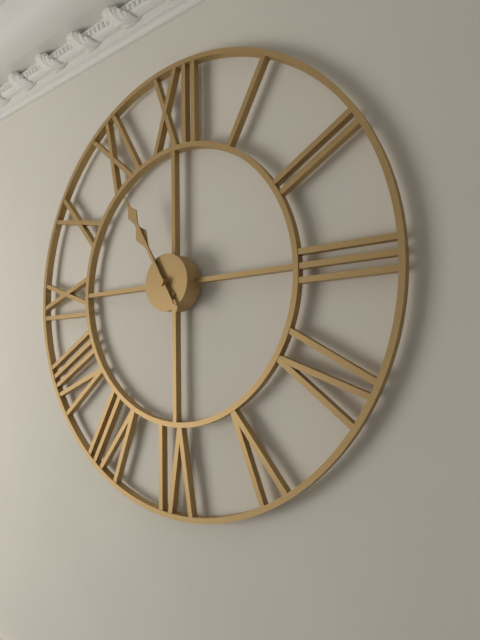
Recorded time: 10:55
